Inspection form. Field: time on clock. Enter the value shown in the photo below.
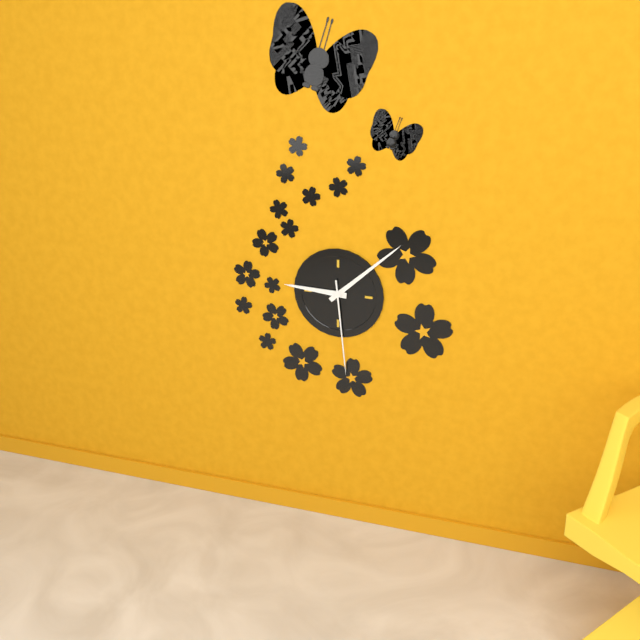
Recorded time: 9:08:29
